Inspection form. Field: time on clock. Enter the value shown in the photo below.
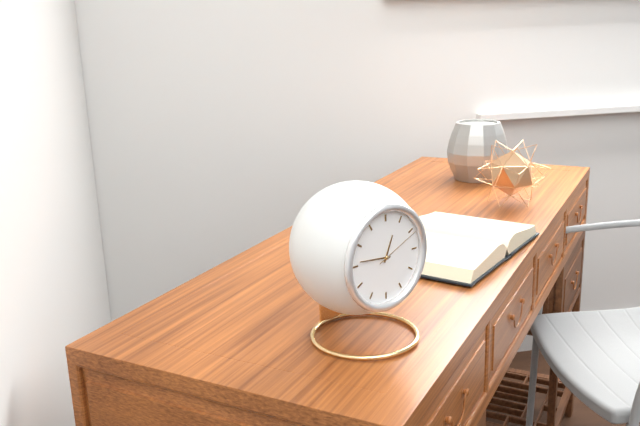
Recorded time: 12:46
